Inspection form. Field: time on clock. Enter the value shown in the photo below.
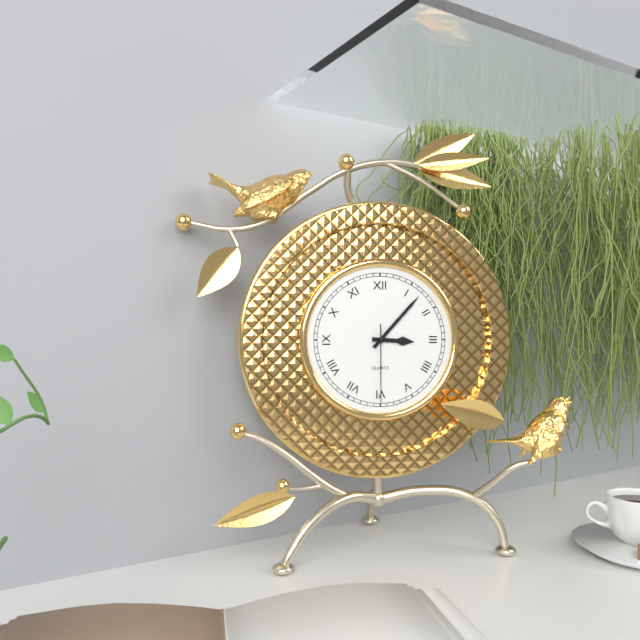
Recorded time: 3:07:30
